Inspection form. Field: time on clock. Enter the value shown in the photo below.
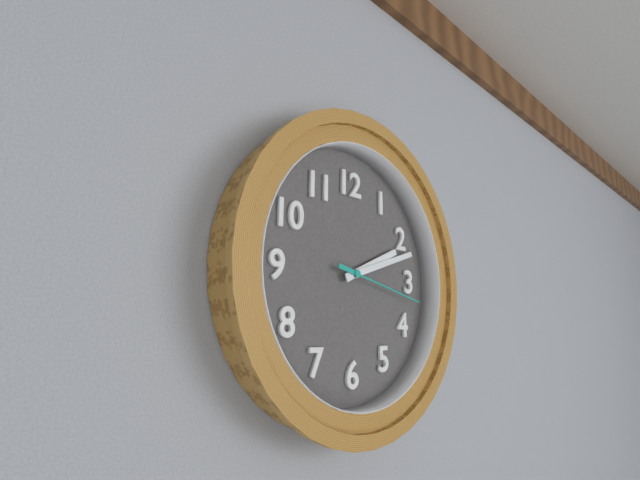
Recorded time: 2:12:17
